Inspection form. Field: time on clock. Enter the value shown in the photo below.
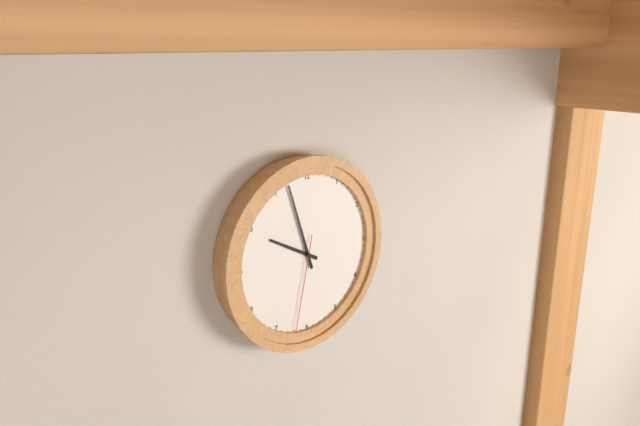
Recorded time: 9:57:32
